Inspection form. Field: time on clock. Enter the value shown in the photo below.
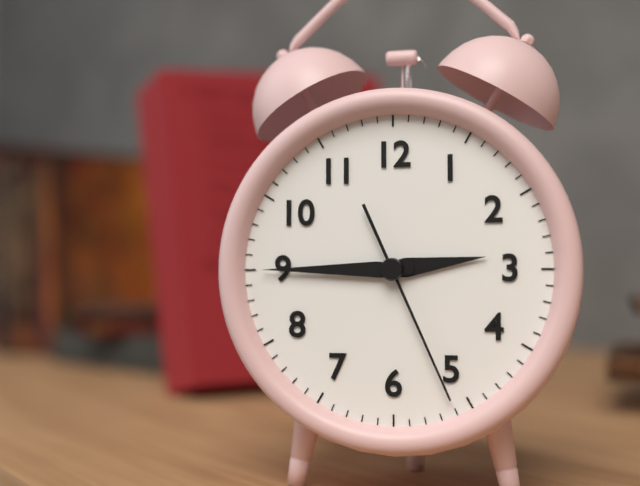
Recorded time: 2:45:26
